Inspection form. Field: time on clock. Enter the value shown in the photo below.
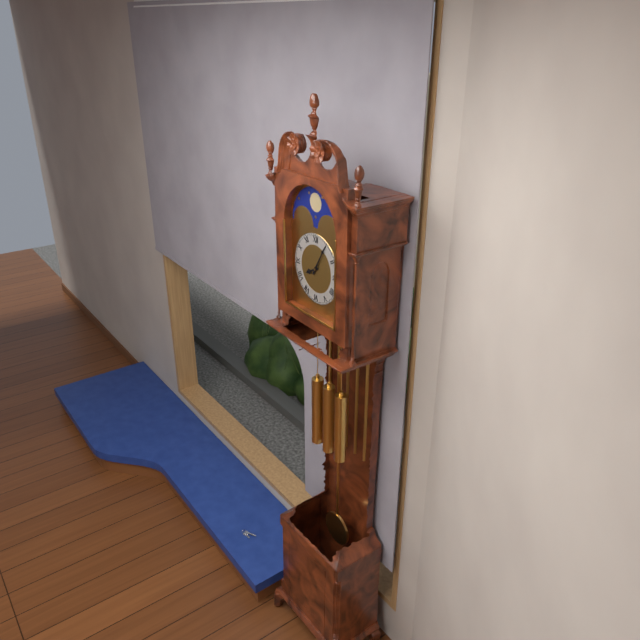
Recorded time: 8:05
